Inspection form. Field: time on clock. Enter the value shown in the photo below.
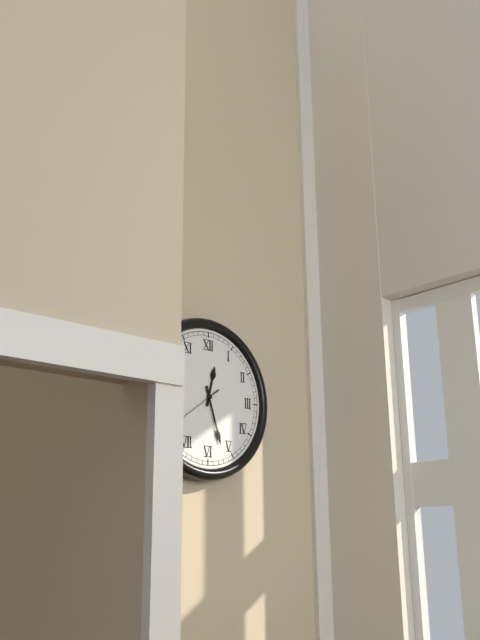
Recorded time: 12:27:39
